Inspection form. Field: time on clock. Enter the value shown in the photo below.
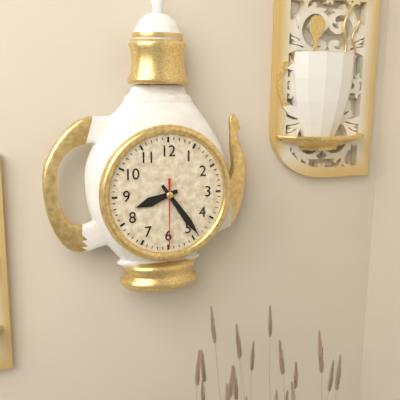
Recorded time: 8:24:30
